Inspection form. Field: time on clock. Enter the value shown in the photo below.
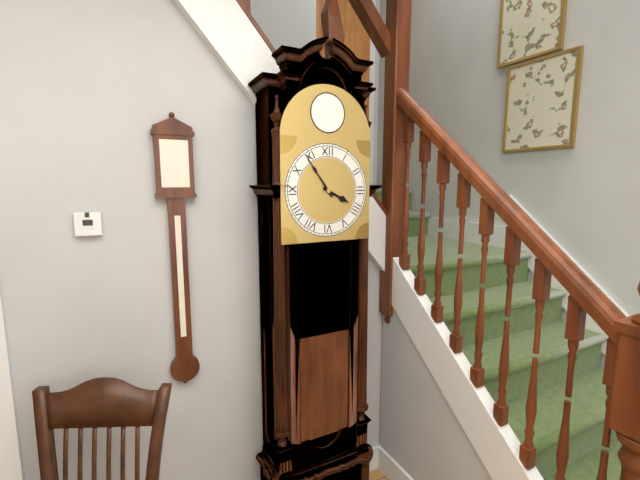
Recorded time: 3:54
